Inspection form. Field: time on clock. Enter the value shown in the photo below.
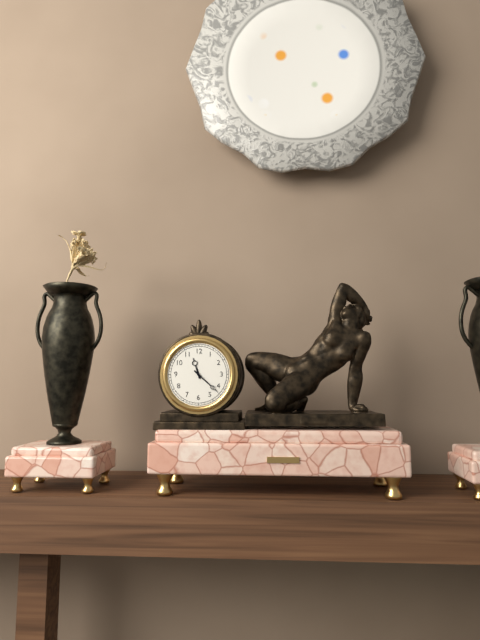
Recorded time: 11:22
